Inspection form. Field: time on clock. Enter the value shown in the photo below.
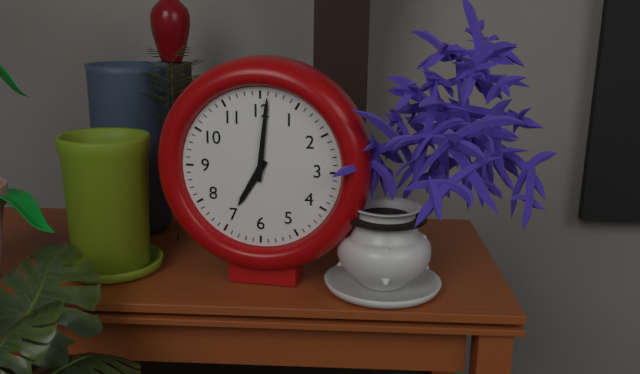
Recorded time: 7:01
